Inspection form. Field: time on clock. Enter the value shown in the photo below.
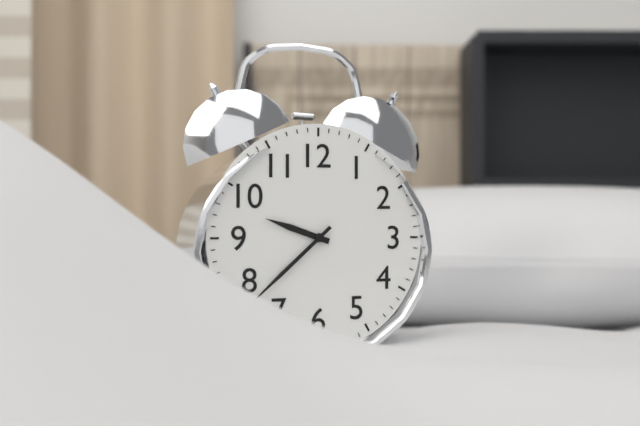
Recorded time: 9:38
